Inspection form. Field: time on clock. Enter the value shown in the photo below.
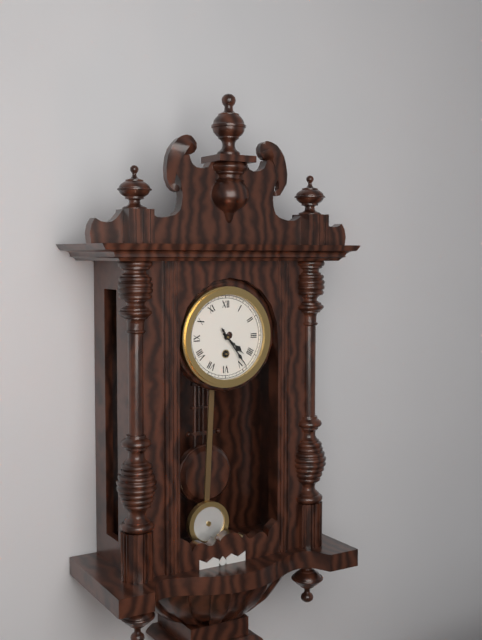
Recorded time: 4:24
